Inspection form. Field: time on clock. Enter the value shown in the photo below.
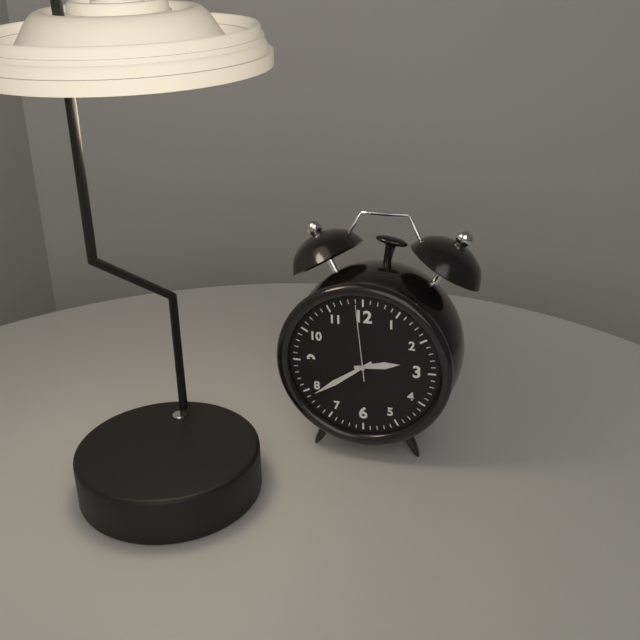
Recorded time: 2:39:59
